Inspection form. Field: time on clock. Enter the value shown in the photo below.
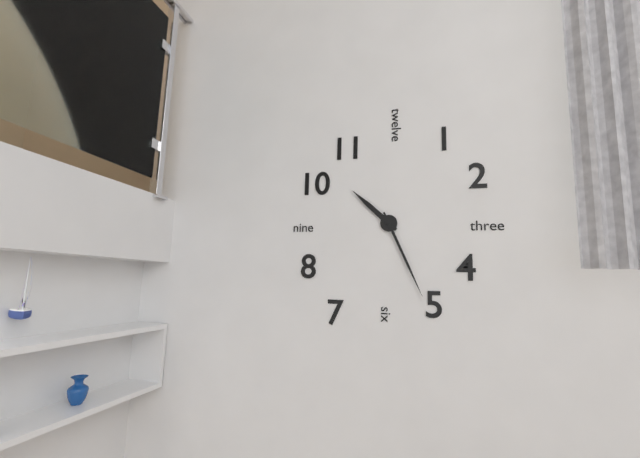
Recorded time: 10:26
